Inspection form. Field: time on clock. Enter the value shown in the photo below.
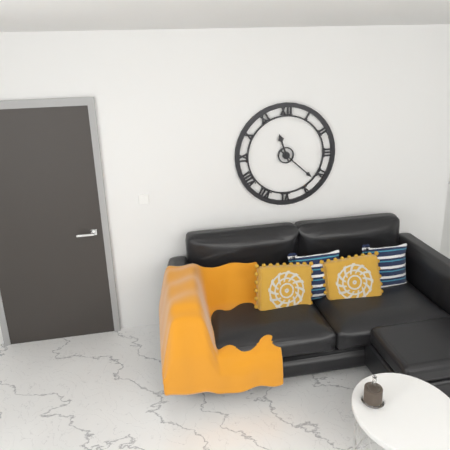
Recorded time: 11:22
